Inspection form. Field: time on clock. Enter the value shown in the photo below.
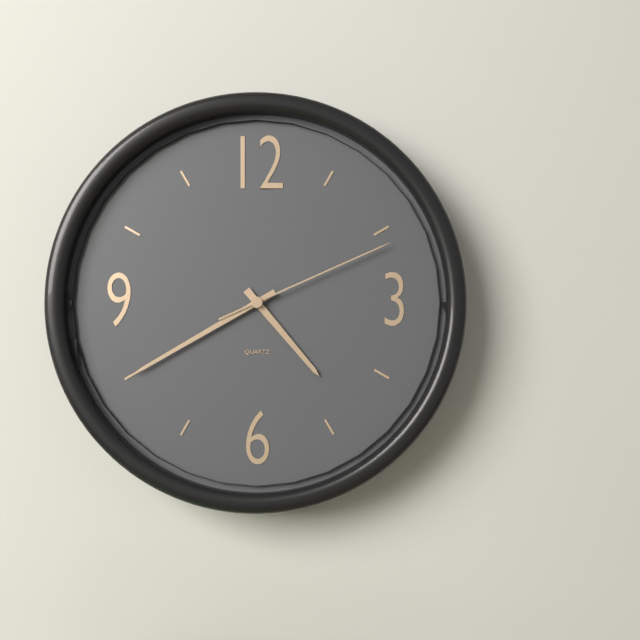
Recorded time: 4:40:11
